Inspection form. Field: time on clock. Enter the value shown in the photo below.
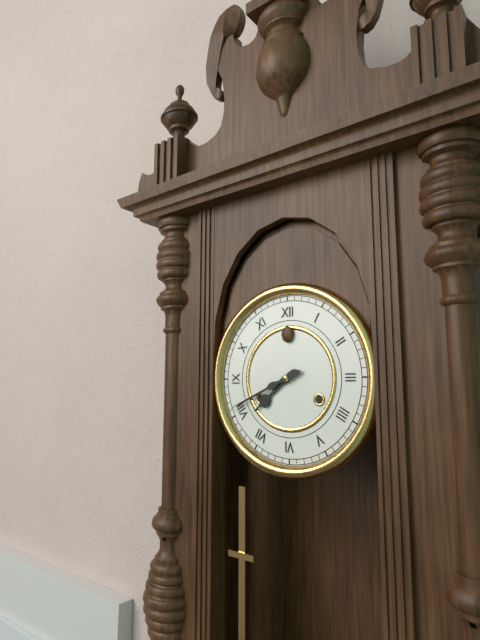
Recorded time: 7:41
